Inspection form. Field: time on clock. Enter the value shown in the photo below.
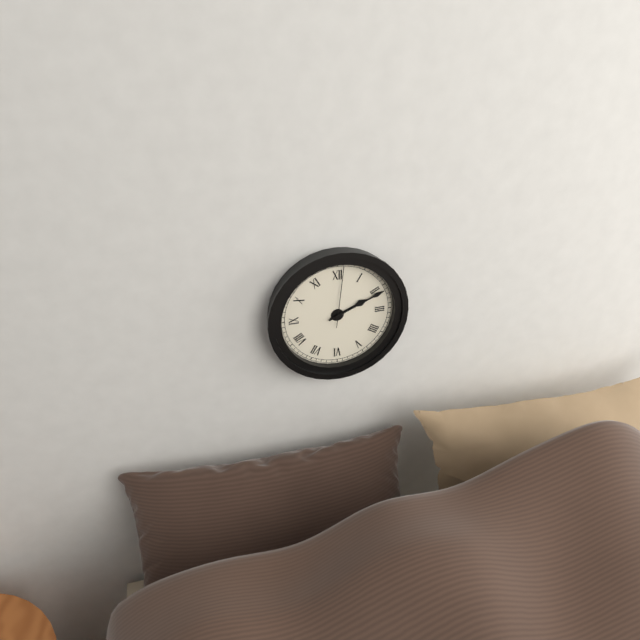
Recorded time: 2:11:01
